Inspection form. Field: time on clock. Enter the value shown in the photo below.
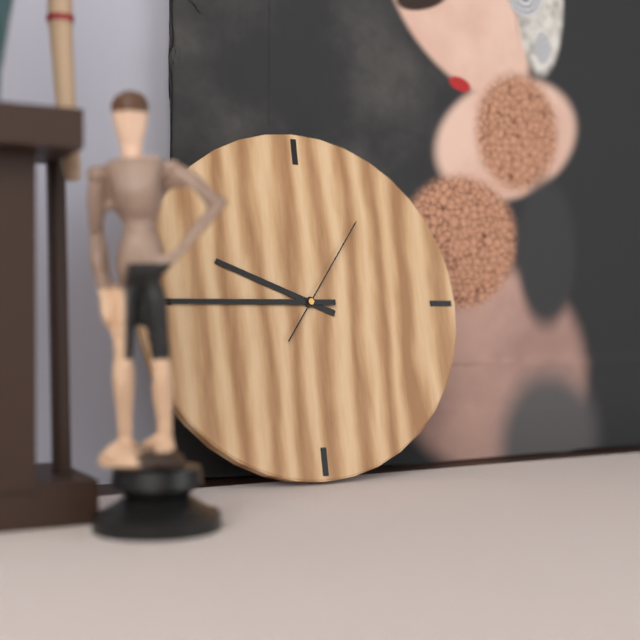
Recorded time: 9:45:06
